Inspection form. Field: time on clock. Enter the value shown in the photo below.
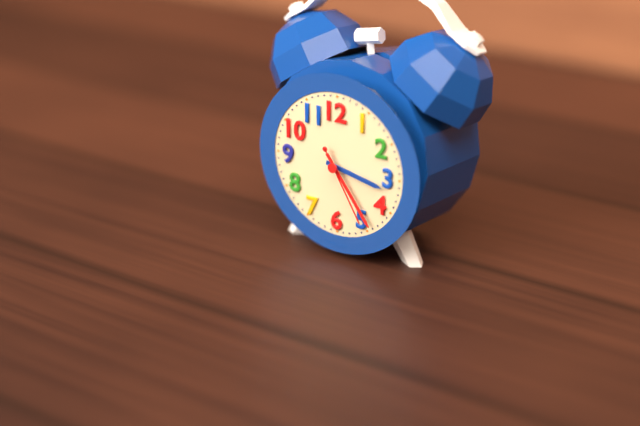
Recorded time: 3:24:25
